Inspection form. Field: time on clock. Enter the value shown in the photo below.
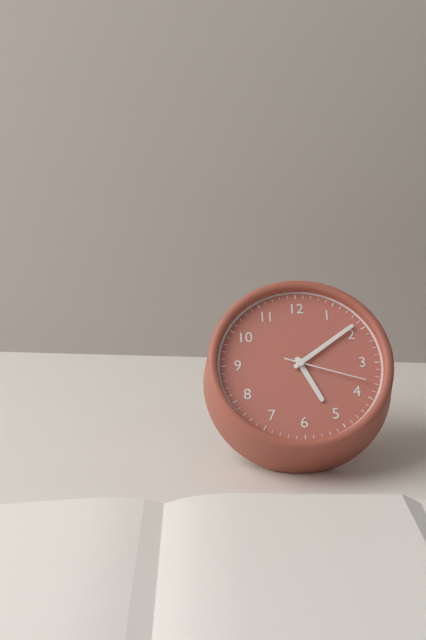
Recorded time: 5:09:18
